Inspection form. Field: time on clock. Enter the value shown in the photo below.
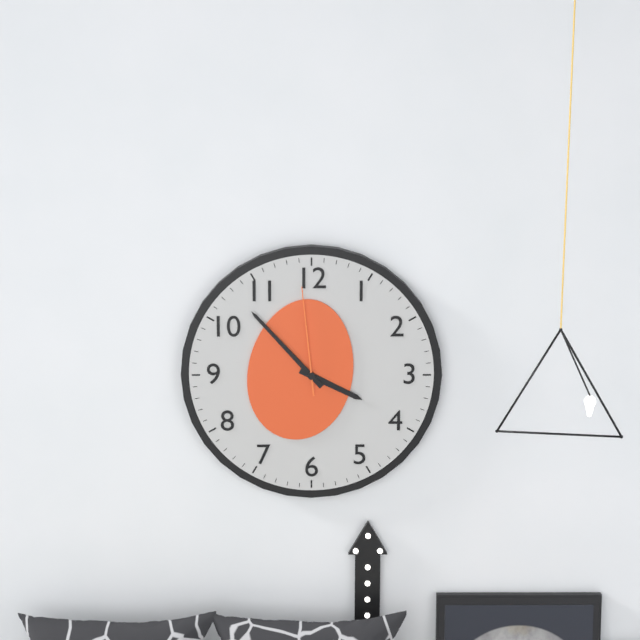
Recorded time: 3:53:59
